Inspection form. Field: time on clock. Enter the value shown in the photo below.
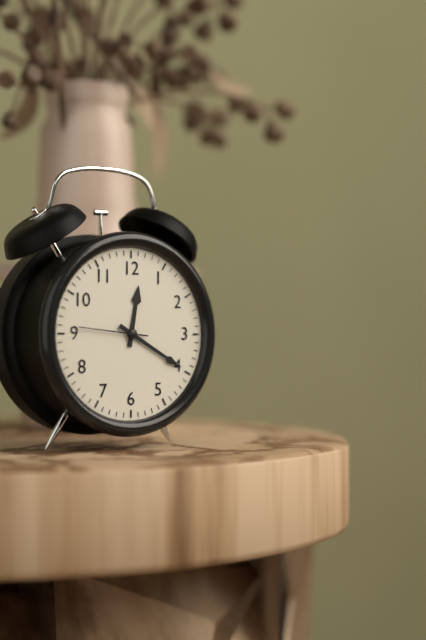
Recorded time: 12:20:46
